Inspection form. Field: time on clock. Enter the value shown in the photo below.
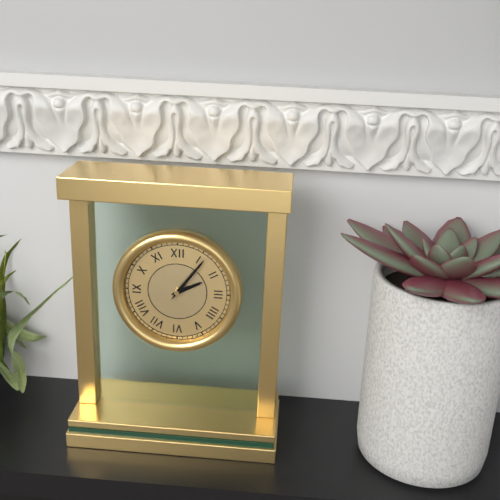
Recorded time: 2:06
